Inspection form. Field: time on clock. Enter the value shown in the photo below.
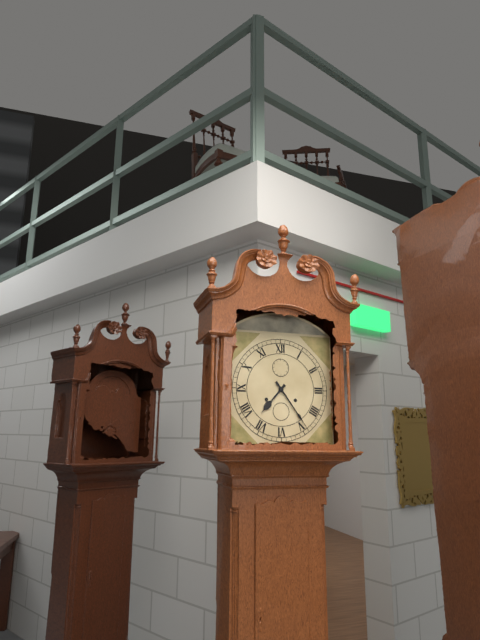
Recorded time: 7:24
